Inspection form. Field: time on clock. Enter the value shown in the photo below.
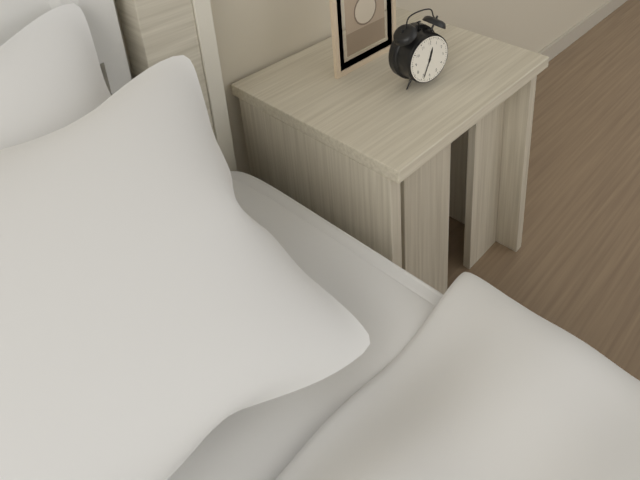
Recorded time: 12:34
